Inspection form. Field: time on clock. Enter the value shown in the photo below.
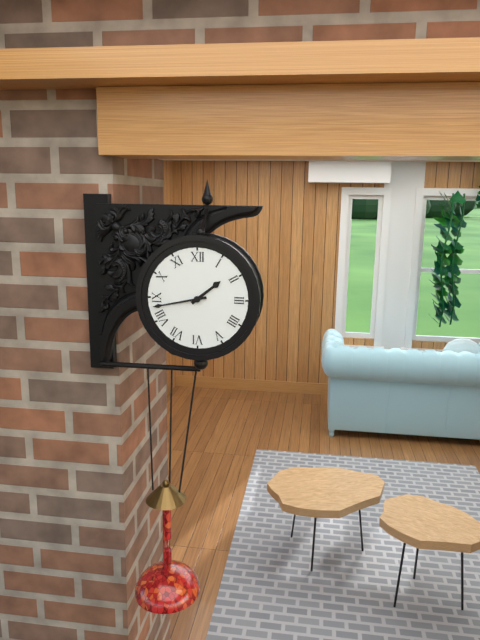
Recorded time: 1:43
